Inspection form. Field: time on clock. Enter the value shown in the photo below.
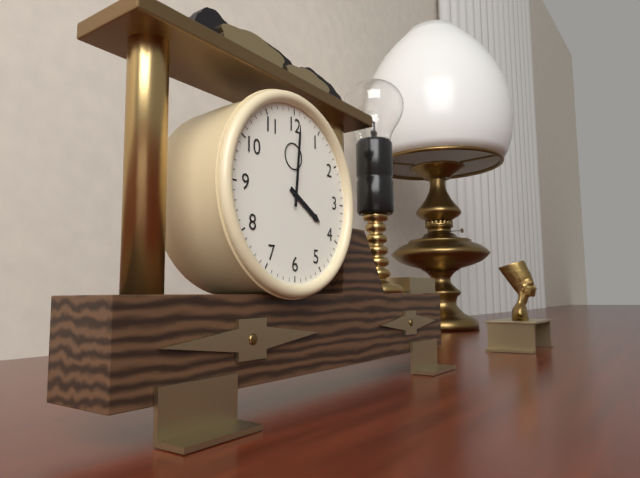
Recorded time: 4:01
